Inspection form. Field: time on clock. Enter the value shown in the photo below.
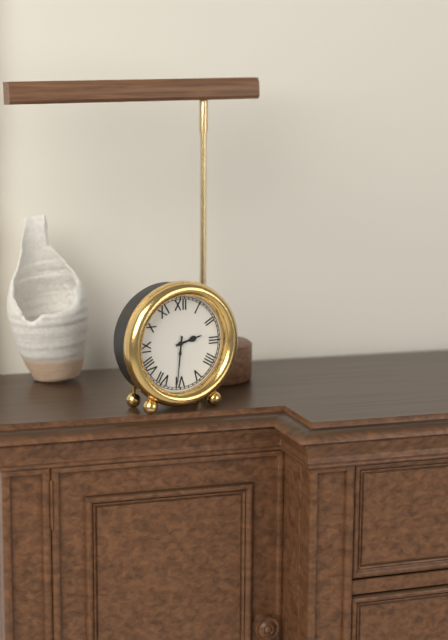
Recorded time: 2:31
